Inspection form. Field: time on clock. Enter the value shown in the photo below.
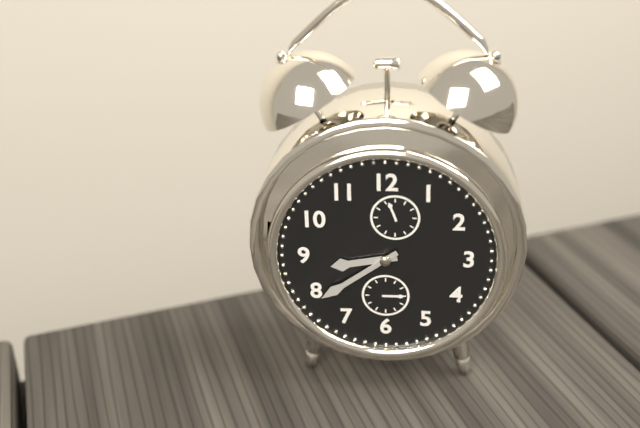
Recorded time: 8:39
